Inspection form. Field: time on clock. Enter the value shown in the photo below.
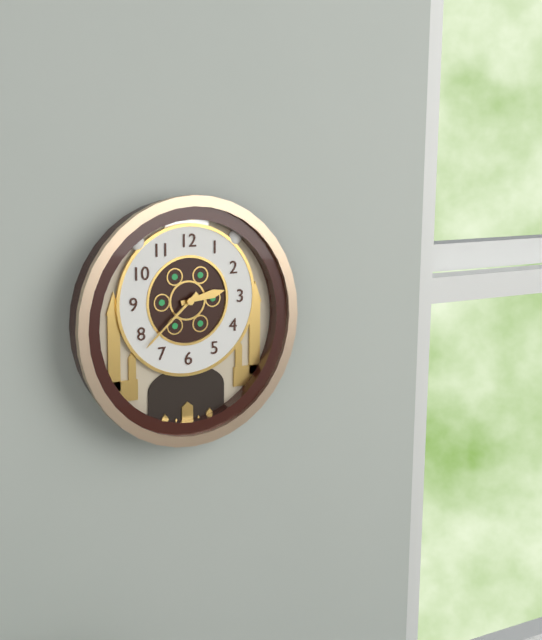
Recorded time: 2:38
